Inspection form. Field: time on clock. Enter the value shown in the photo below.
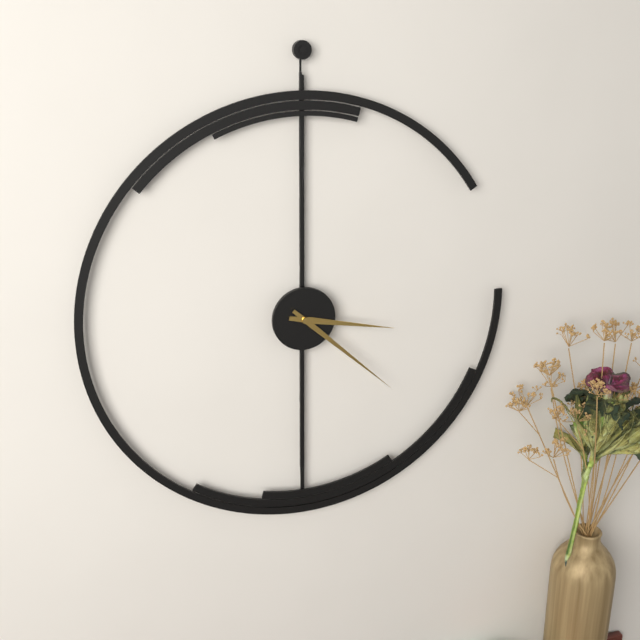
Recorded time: 3:22
